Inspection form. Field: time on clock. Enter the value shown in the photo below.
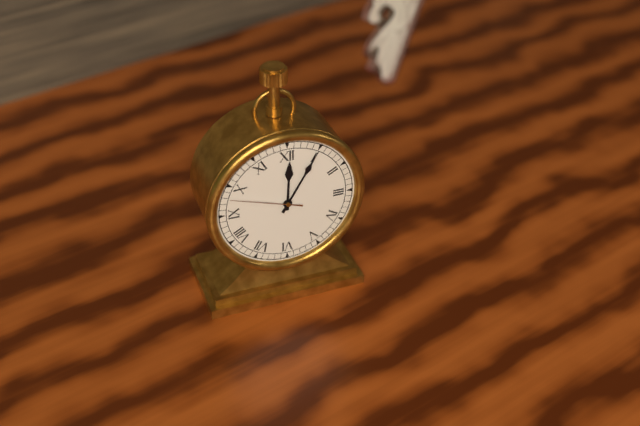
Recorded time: 12:05:48
